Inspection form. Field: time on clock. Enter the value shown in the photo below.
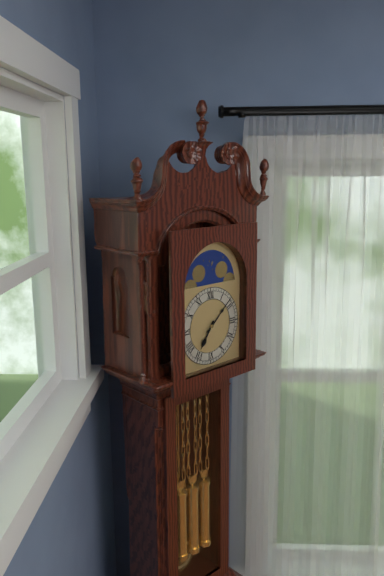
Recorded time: 7:08
